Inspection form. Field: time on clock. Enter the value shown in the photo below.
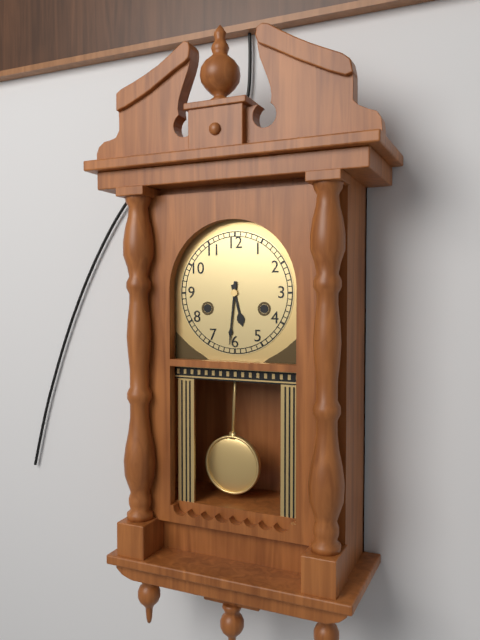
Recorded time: 5:31
